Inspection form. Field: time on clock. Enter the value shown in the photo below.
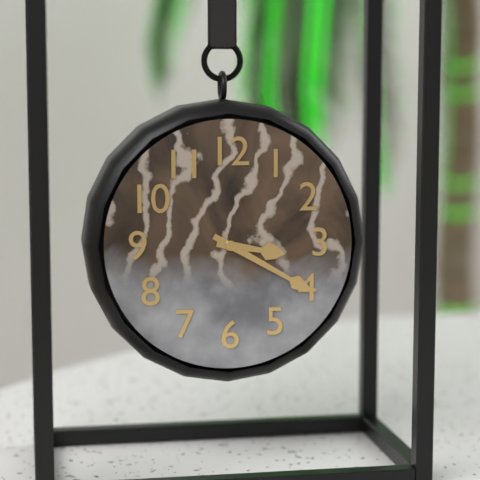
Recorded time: 3:20
